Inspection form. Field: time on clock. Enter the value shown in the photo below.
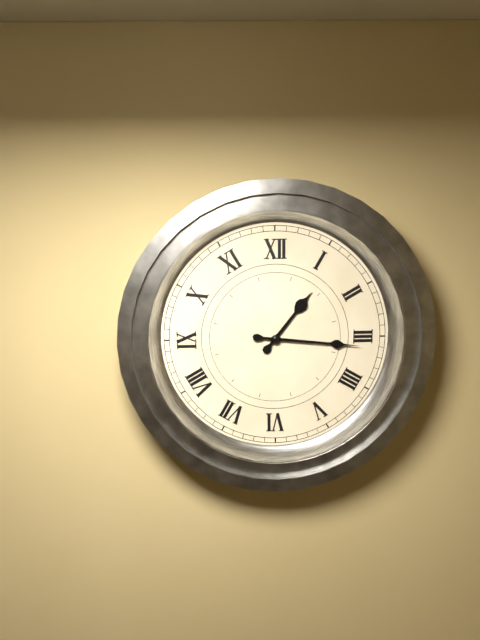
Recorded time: 1:16
